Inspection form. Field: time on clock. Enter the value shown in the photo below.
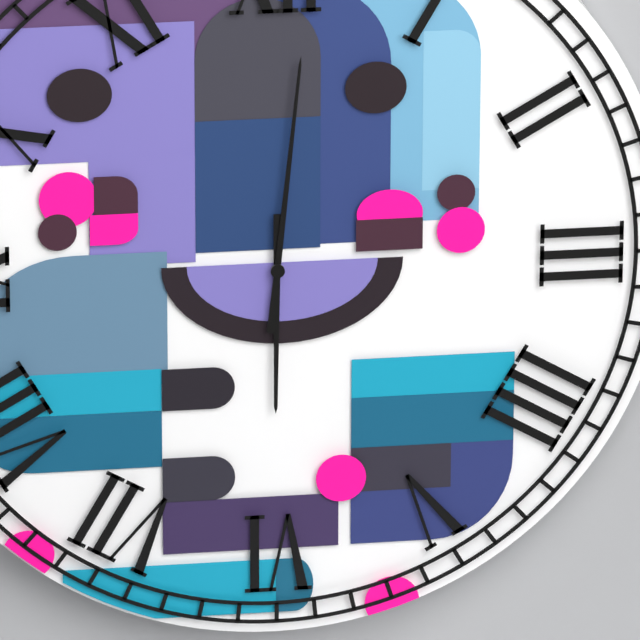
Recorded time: 6:01
